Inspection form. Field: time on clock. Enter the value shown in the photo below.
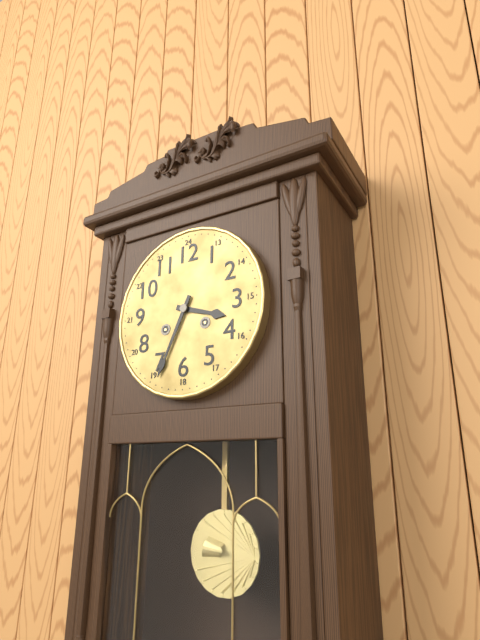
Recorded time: 3:34
